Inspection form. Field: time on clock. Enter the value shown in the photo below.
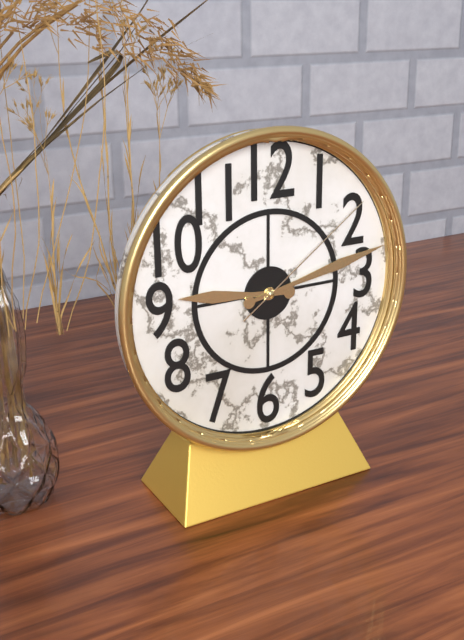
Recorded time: 9:13:09
